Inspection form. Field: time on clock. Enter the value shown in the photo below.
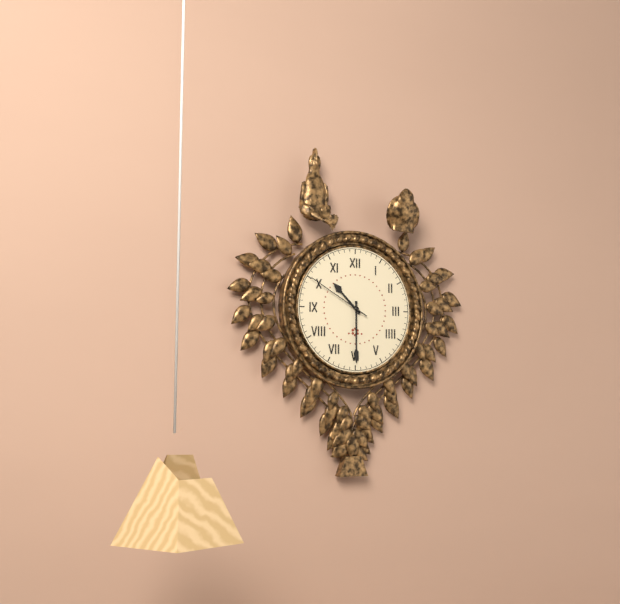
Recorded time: 10:30:50
